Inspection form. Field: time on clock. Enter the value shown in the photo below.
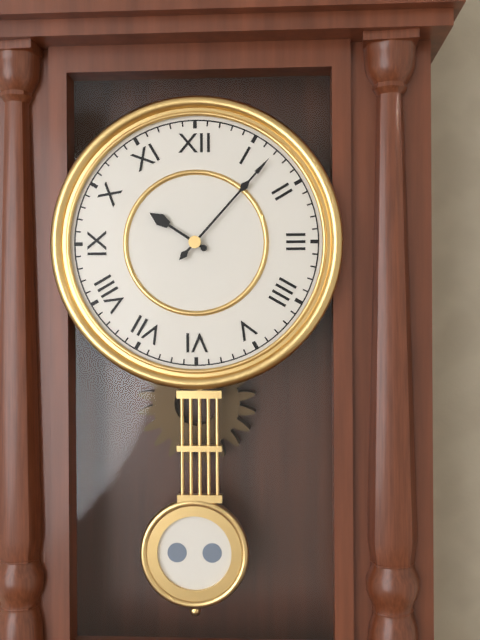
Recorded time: 10:07
